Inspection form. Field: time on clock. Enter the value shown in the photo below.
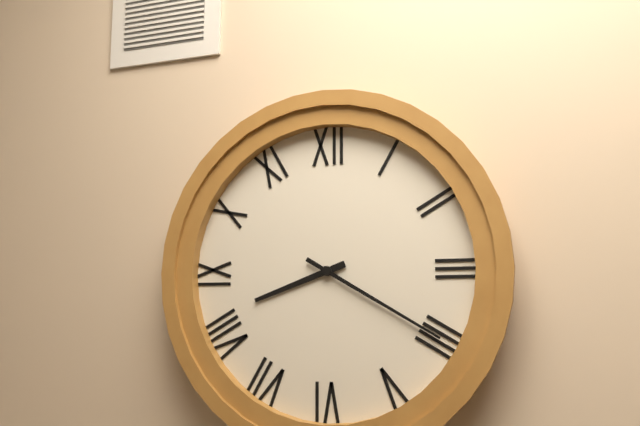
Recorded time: 8:20
